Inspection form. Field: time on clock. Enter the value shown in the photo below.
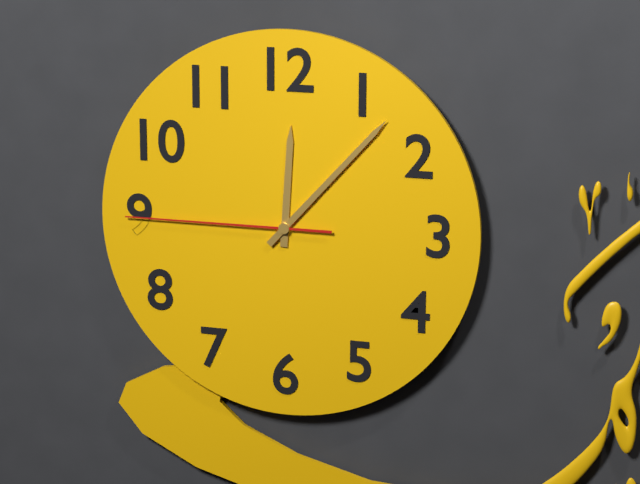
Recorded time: 12:07:45
